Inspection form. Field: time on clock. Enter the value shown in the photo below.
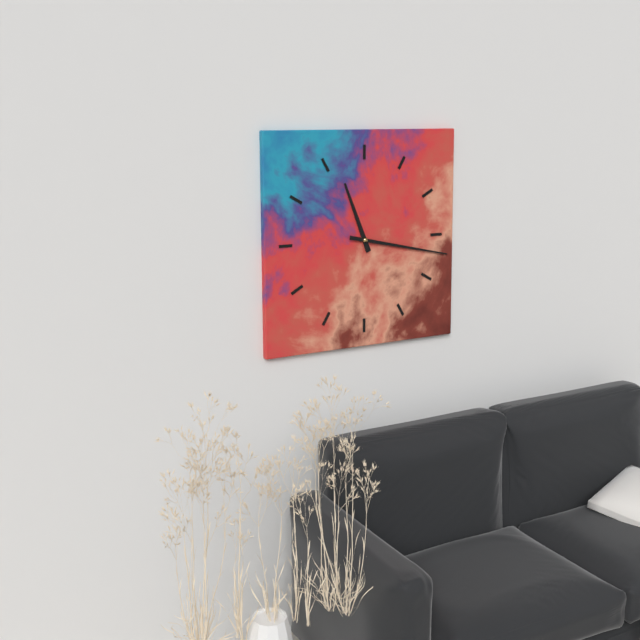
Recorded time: 11:17
